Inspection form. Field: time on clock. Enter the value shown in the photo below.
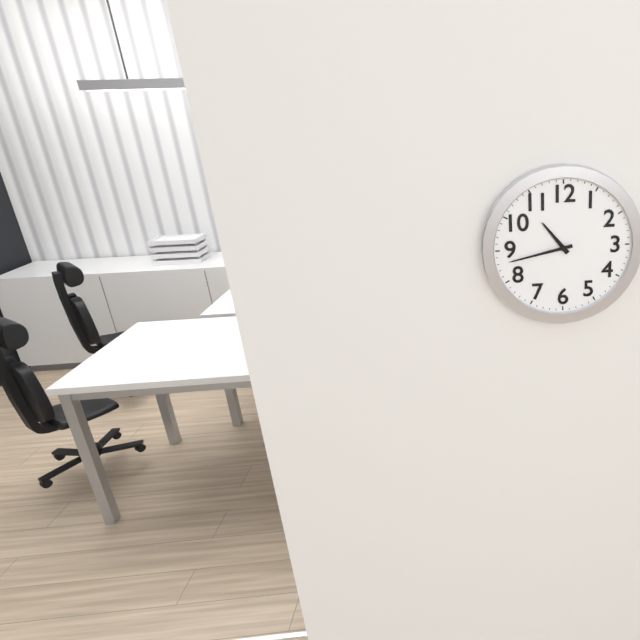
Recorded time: 10:43
